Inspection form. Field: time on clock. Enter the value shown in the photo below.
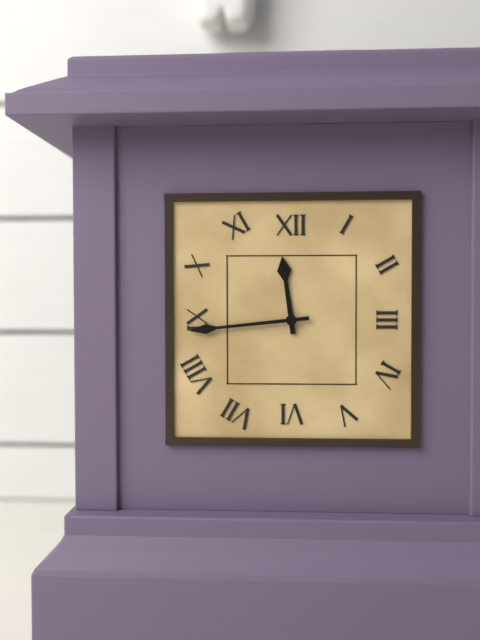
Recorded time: 11:44
